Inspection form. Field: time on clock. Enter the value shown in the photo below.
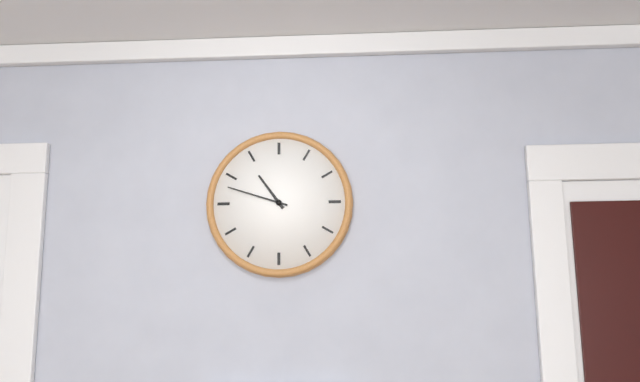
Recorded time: 10:48
